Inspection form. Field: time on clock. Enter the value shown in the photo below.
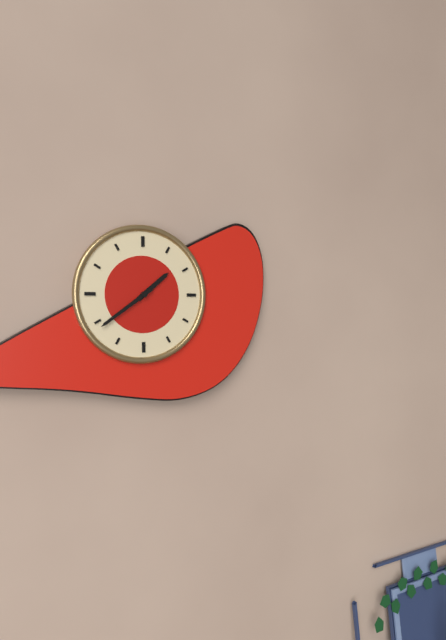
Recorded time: 1:39
